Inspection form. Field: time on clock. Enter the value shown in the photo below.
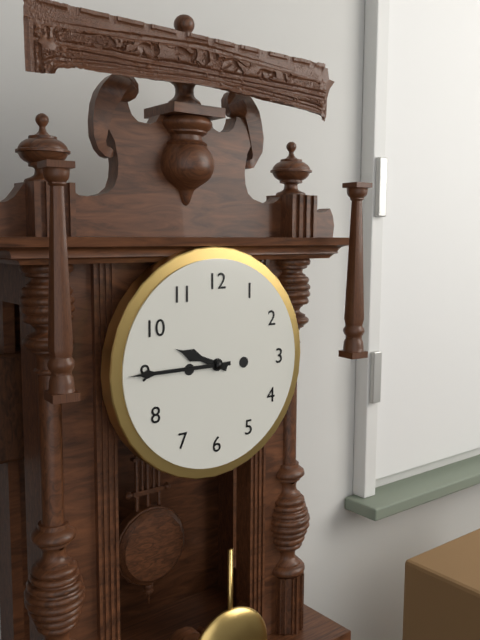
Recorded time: 9:45
